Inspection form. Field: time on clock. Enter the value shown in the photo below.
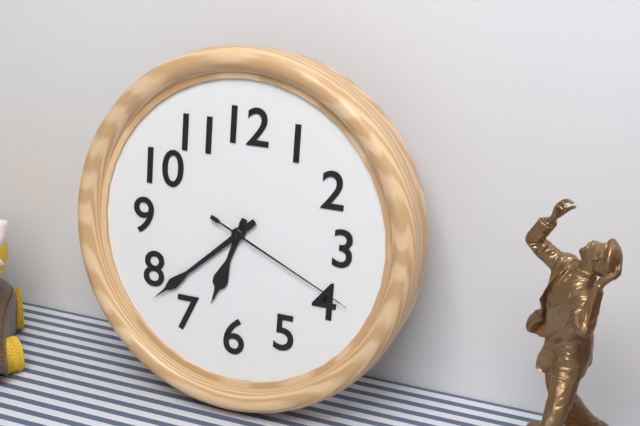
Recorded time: 6:38:19
